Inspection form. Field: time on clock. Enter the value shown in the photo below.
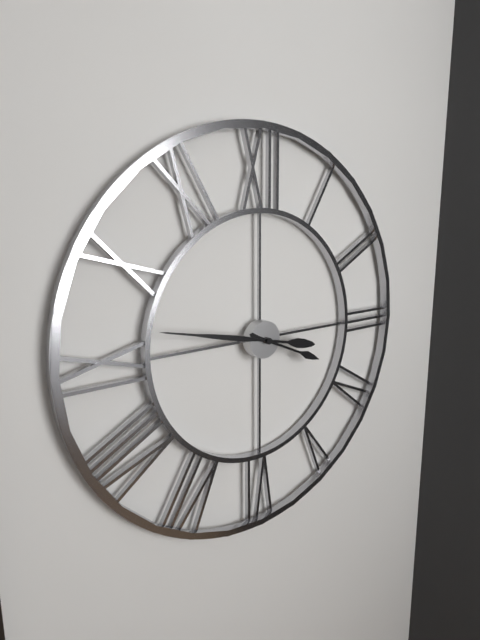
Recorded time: 3:47
